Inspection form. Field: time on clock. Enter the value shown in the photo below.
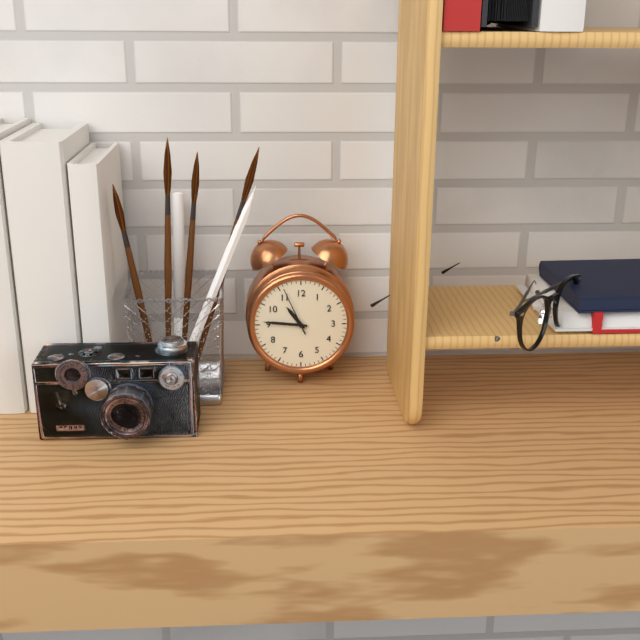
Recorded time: 10:46:56
